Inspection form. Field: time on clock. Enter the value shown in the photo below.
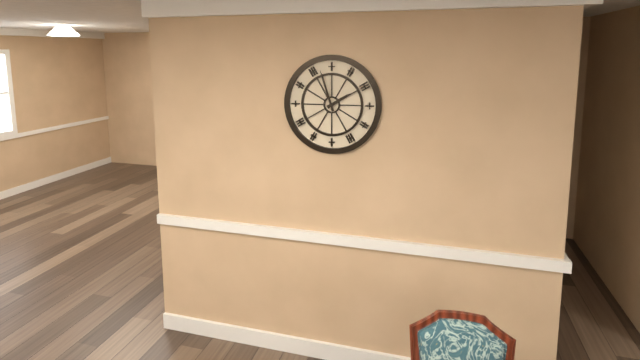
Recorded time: 1:57
